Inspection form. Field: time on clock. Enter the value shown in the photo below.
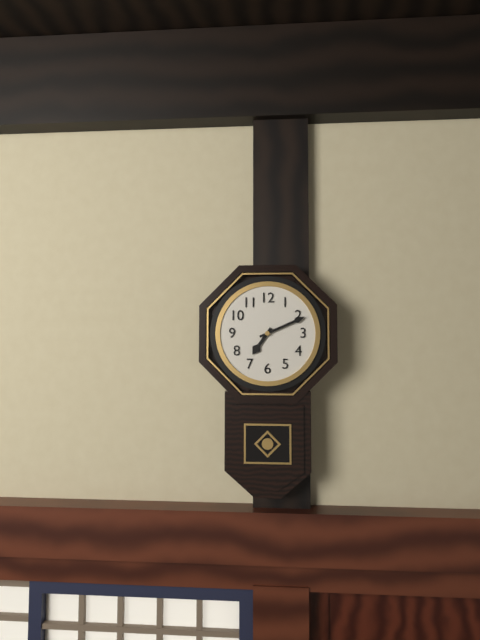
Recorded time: 7:11
